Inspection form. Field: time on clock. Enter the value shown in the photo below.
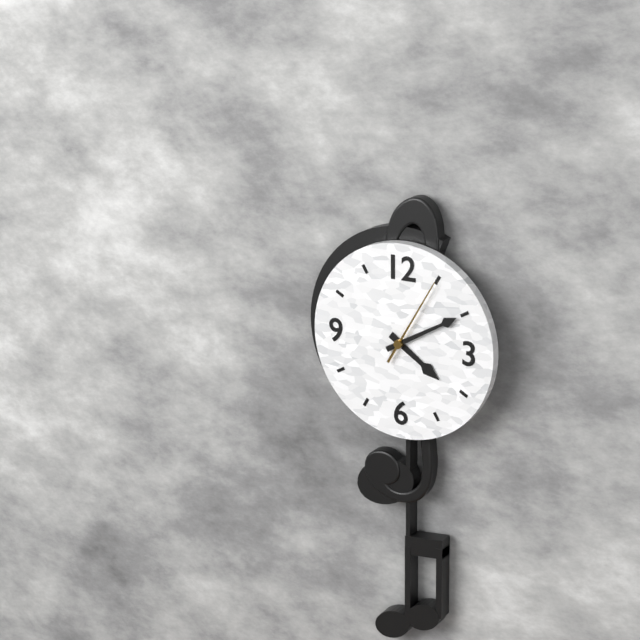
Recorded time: 4:10:05
